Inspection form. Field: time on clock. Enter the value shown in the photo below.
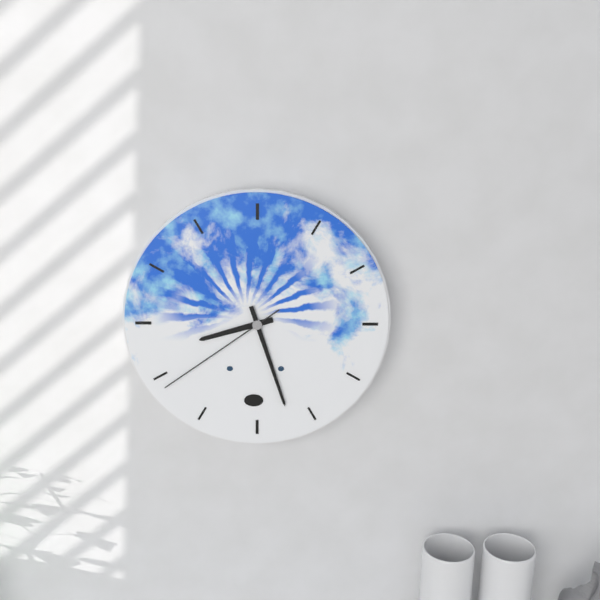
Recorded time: 8:27:39
